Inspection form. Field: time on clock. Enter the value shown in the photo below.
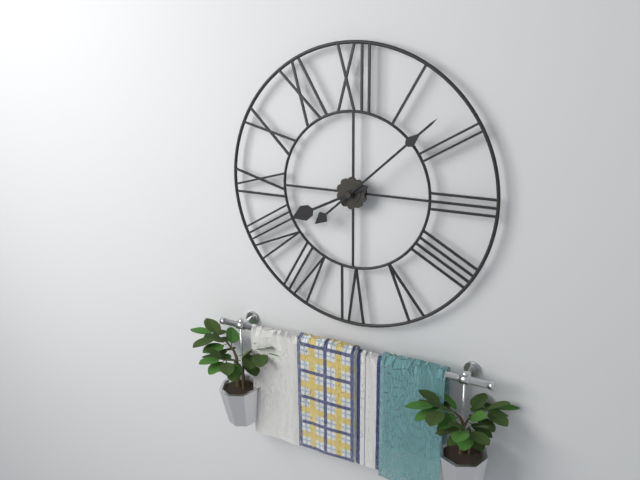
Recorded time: 8:08
